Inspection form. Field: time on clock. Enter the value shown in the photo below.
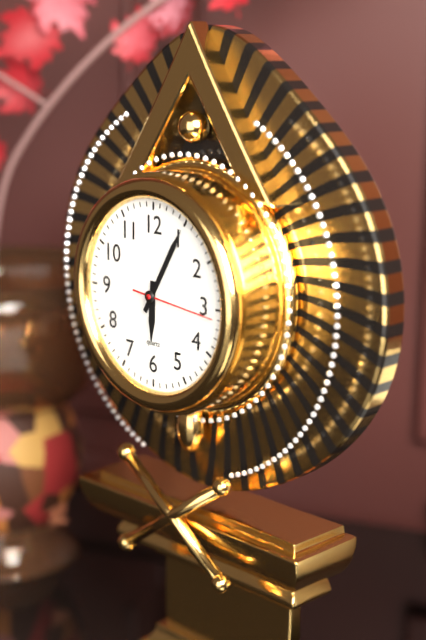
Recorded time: 6:05:16
